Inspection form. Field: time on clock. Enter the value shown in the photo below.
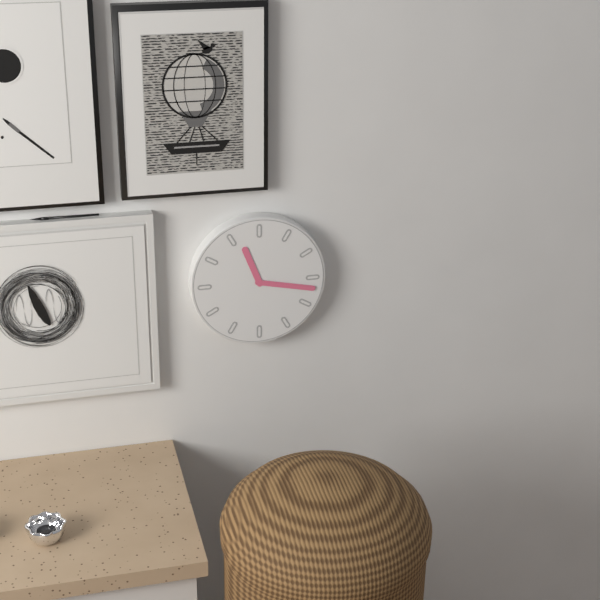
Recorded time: 11:17
